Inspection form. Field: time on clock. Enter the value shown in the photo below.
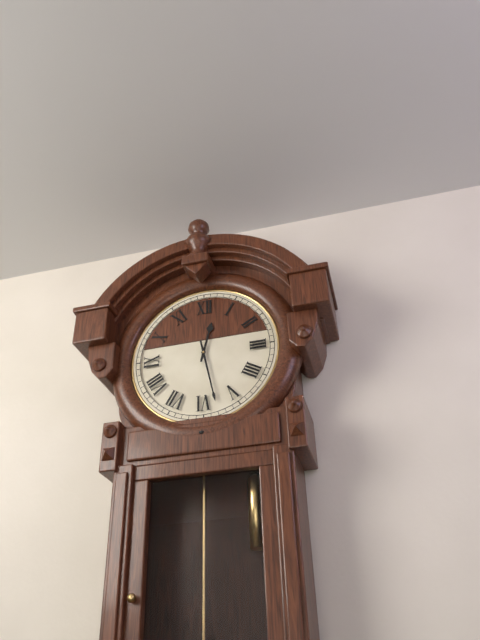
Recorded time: 12:28
